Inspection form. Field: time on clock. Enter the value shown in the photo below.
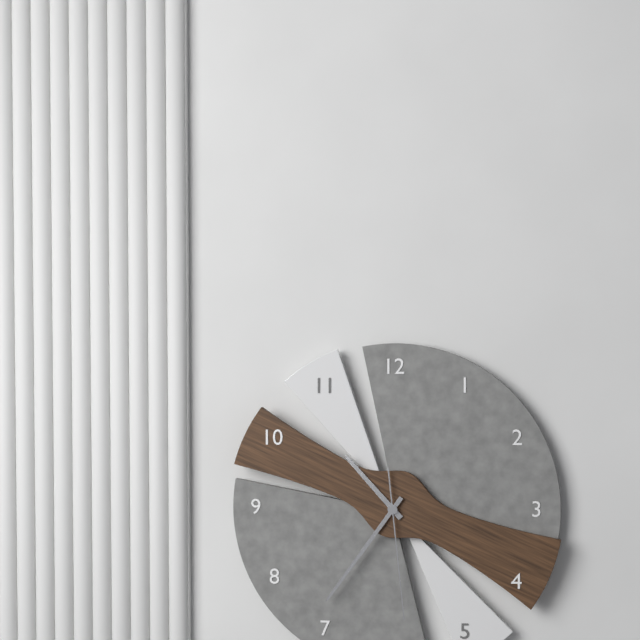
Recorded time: 10:36:29
